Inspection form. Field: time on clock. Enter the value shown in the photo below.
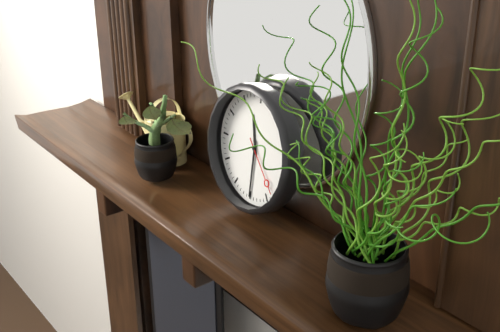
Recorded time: 11:30:23
